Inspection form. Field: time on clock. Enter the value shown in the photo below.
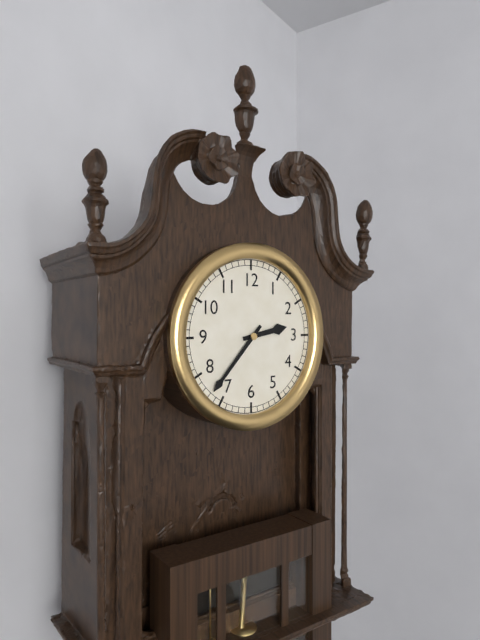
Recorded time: 2:37
